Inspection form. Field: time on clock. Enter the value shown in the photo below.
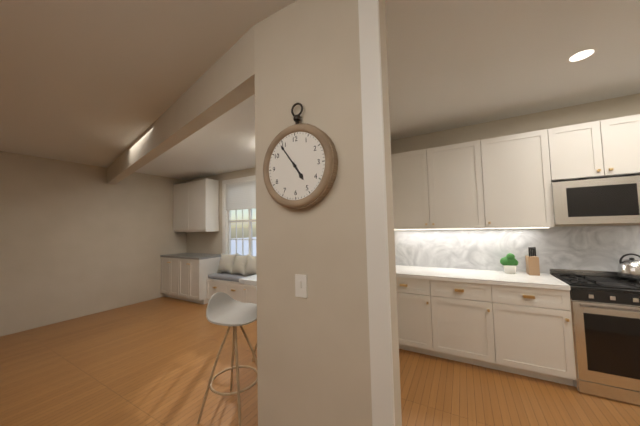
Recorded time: 4:54
